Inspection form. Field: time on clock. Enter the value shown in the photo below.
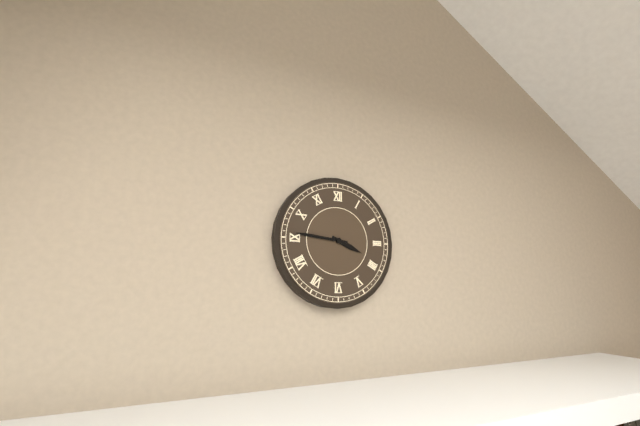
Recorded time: 3:46
